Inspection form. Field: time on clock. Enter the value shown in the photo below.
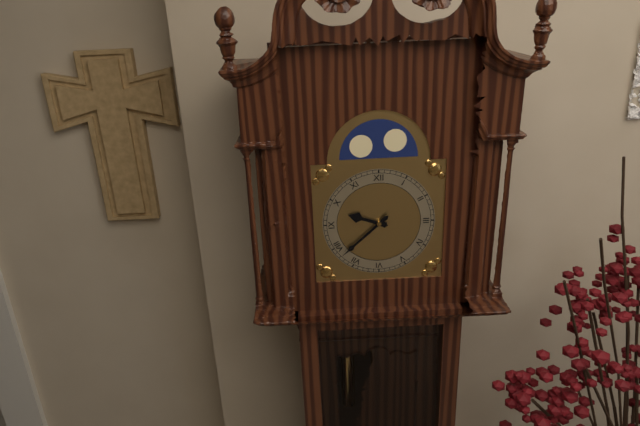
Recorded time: 9:38
